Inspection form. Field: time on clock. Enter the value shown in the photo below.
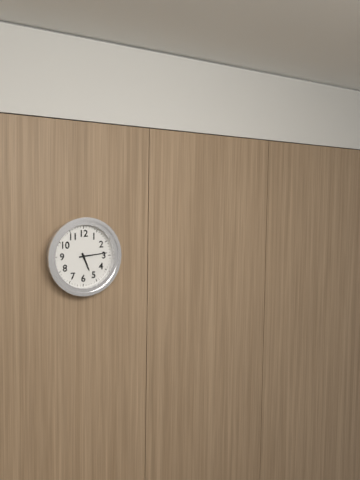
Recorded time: 5:14
